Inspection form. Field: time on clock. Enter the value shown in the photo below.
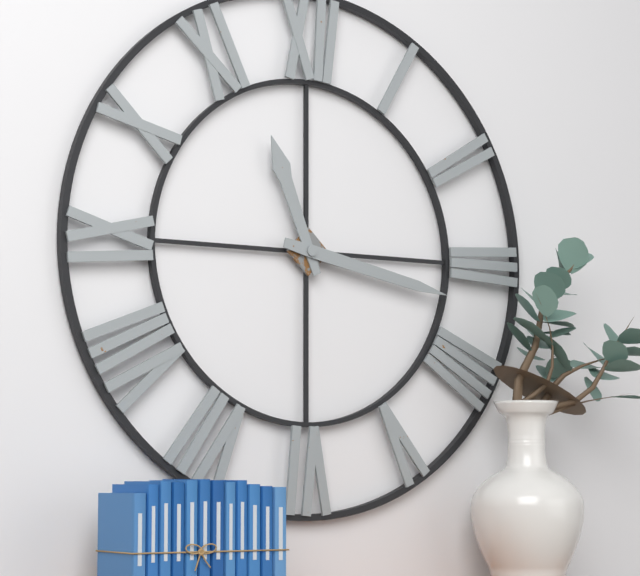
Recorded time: 11:17
